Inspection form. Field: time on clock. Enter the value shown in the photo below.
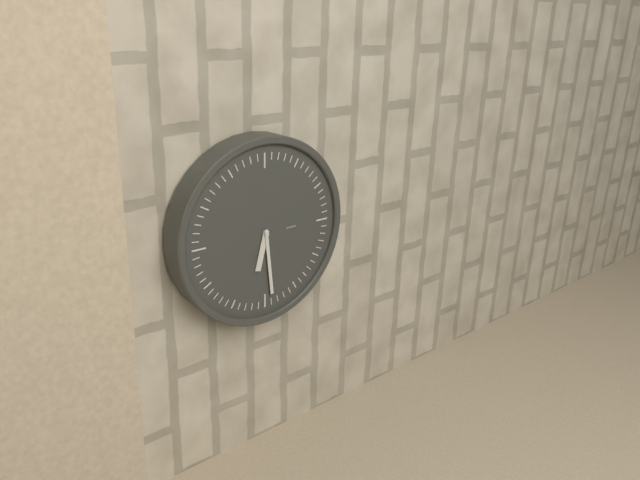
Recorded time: 6:29
